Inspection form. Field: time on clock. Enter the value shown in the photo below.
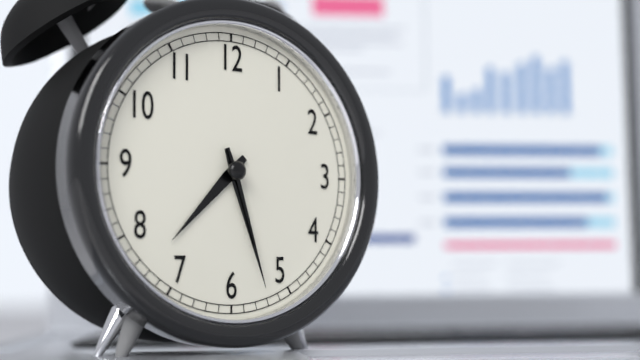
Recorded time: 7:27:27
